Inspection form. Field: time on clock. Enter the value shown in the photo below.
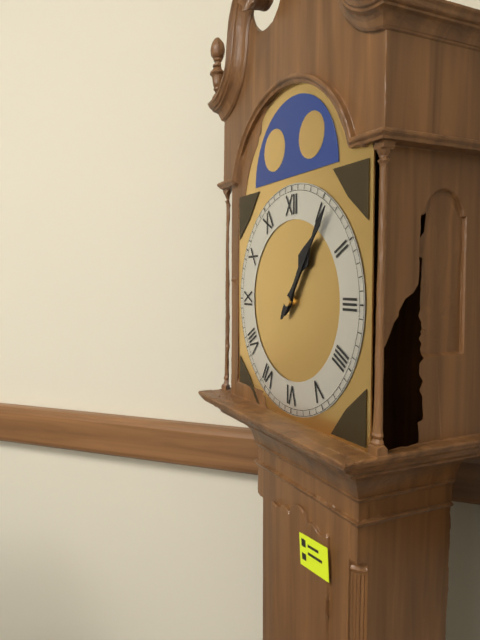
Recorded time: 1:06
